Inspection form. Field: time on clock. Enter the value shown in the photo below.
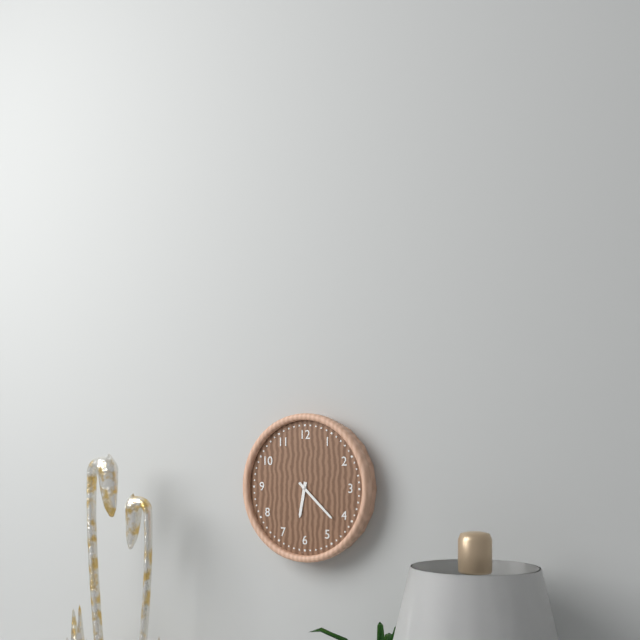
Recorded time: 6:22
